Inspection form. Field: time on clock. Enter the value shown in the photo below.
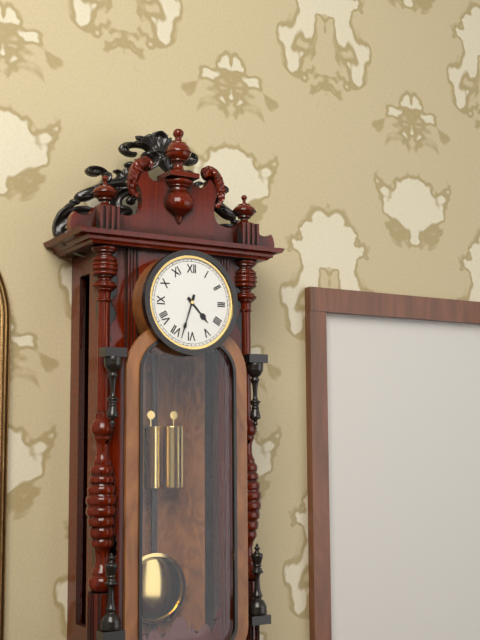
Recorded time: 4:33
